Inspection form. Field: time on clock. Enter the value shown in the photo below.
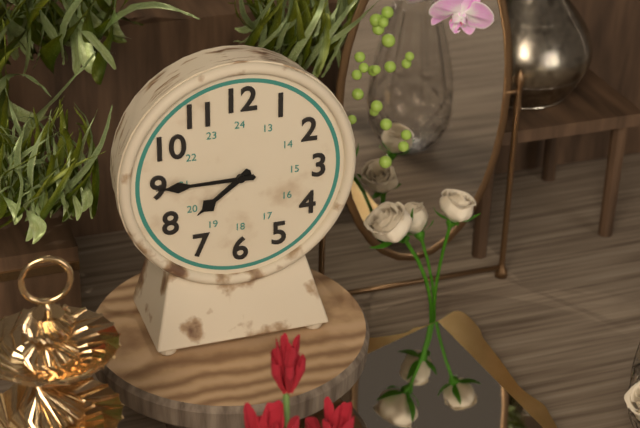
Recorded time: 7:45
